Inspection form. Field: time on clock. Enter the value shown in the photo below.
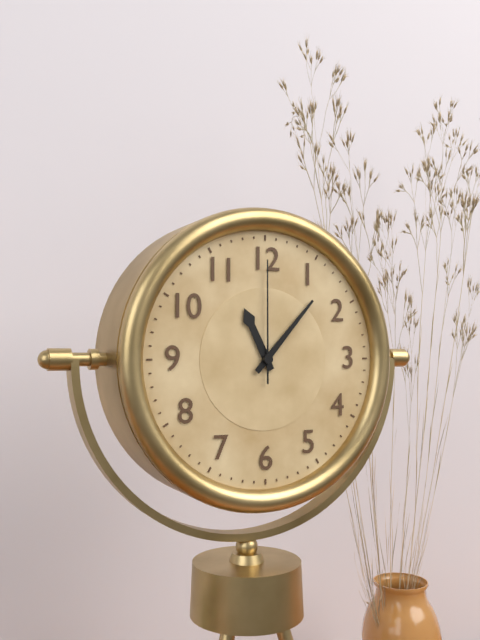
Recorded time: 11:07:00
